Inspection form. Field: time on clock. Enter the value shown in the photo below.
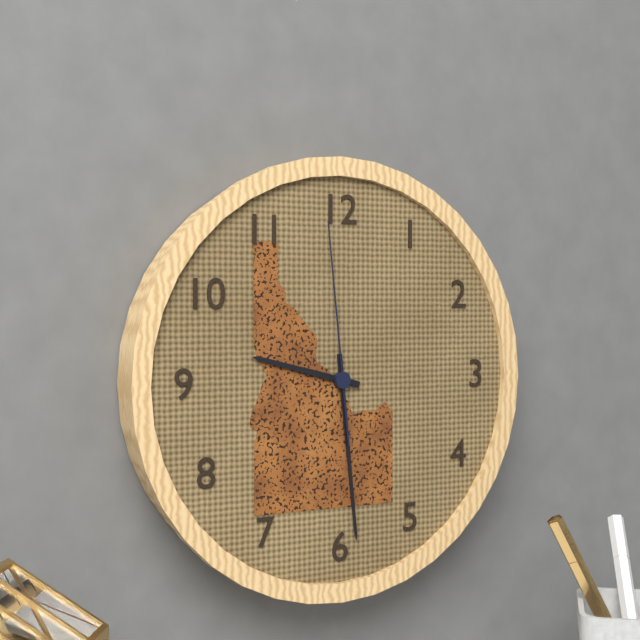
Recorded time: 9:29:59
